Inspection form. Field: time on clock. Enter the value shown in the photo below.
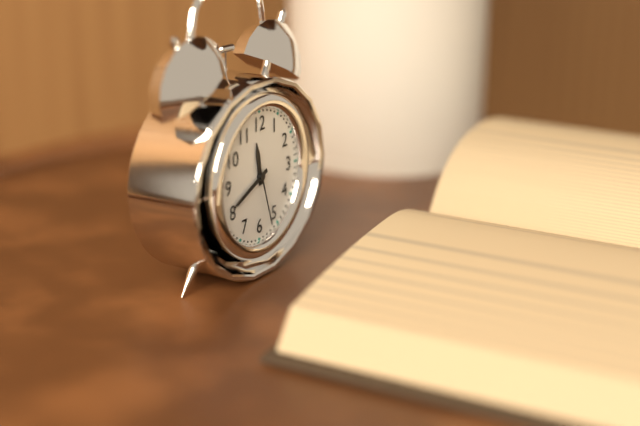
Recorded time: 11:41:27
